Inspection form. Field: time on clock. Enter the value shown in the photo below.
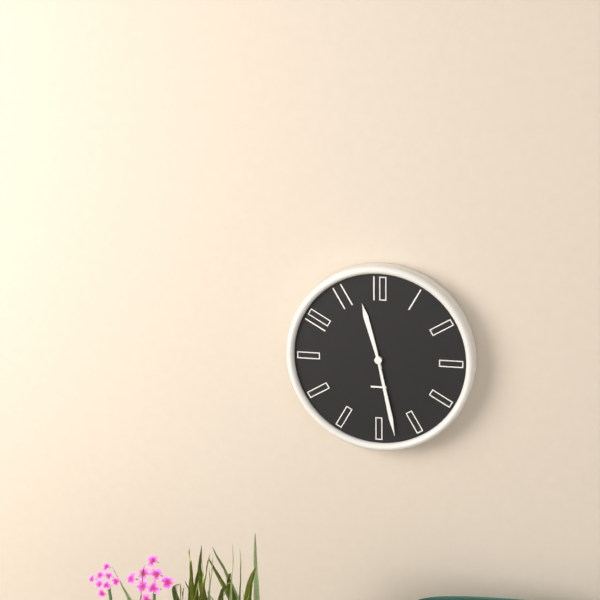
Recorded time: 11:28
